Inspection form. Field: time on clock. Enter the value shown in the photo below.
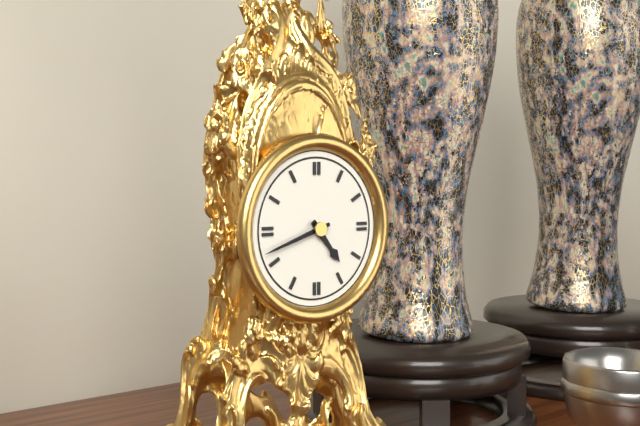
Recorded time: 4:42
